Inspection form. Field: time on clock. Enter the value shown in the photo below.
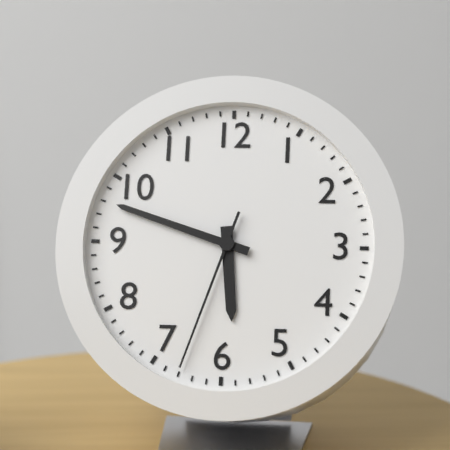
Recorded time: 5:48:33
